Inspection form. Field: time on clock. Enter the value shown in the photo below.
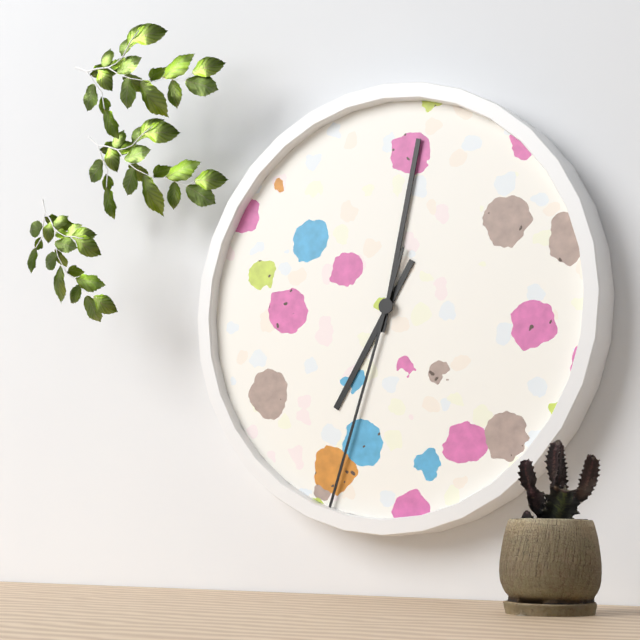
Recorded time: 7:02:33
